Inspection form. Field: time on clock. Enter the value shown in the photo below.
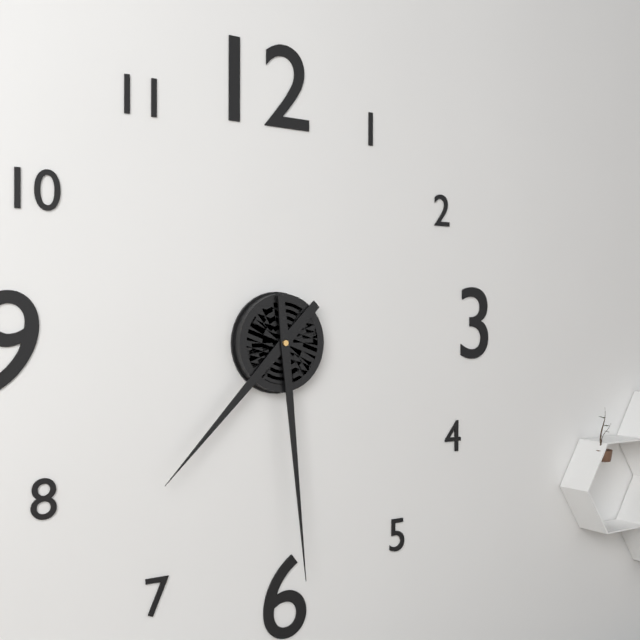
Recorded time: 7:29
